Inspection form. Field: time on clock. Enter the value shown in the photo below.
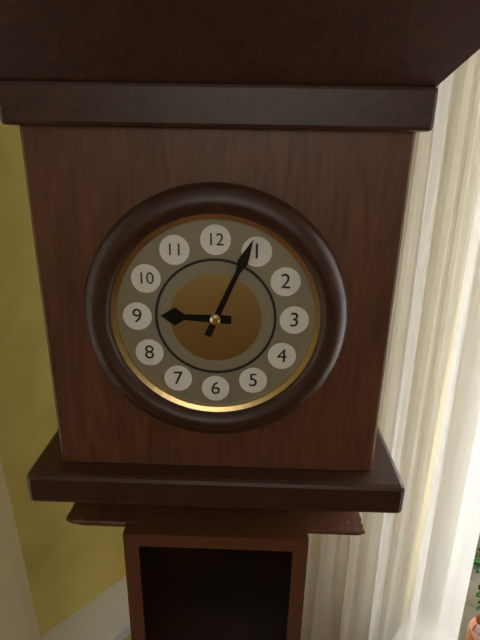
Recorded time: 9:04
